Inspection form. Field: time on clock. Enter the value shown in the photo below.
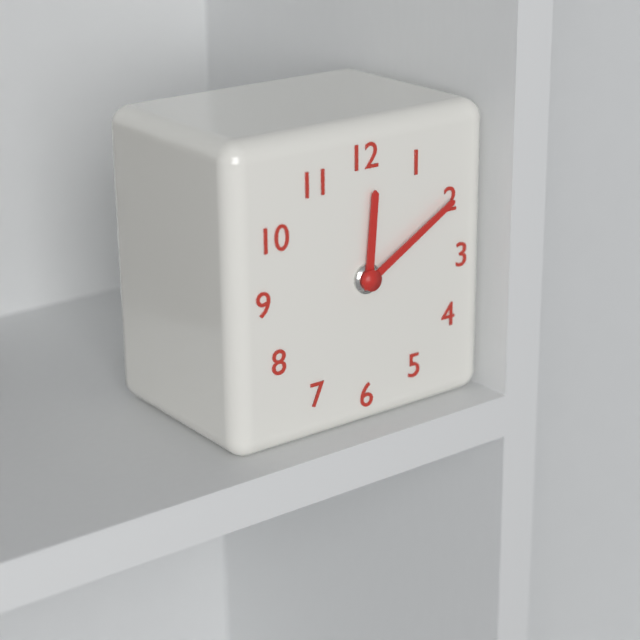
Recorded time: 12:10
